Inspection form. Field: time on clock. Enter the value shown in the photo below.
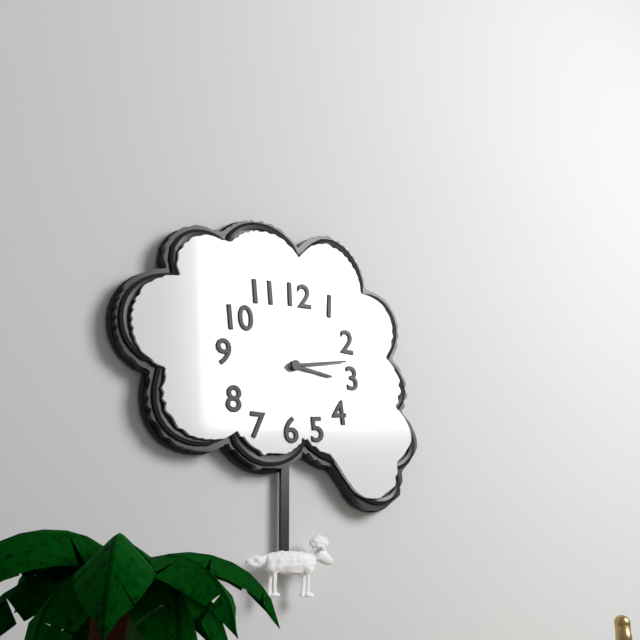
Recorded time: 3:13
